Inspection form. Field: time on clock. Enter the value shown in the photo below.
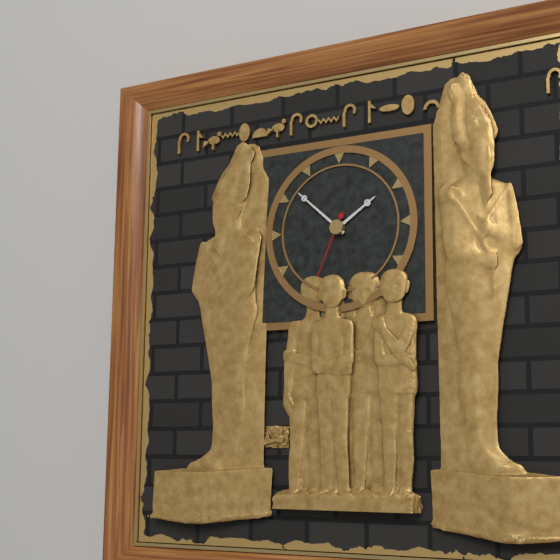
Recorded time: 1:52:34
